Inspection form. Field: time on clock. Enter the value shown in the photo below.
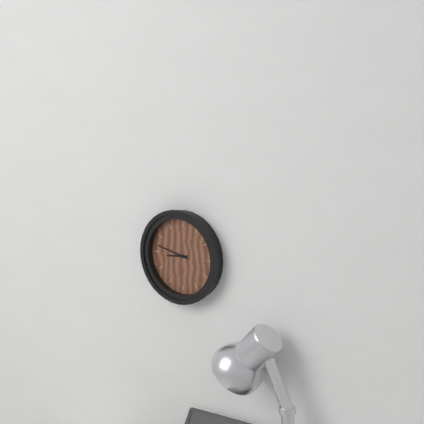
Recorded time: 8:47
